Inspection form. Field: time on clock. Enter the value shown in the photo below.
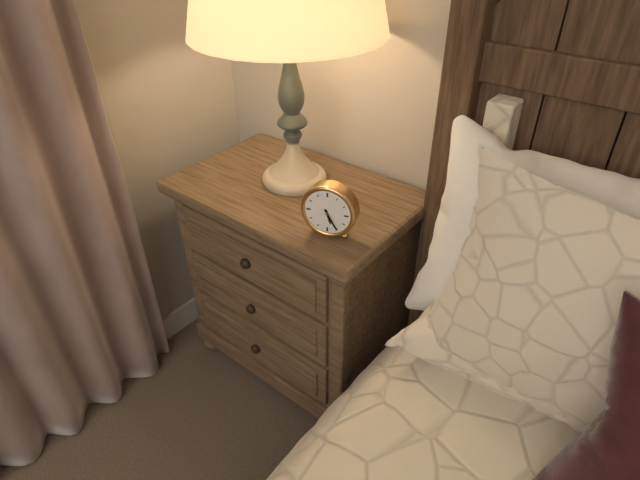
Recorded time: 5:25
